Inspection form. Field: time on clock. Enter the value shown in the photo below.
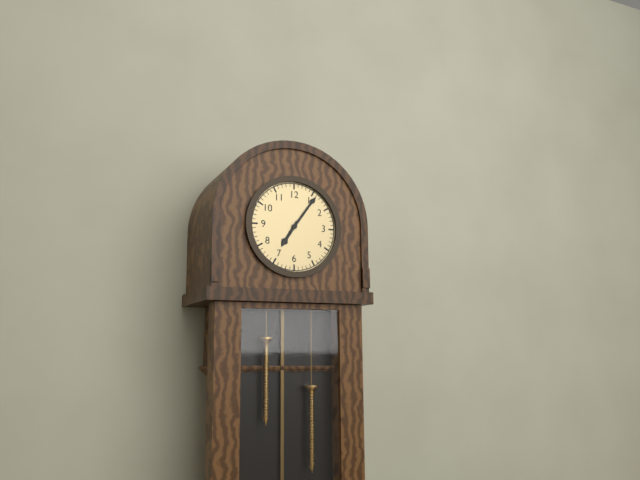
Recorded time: 7:06
